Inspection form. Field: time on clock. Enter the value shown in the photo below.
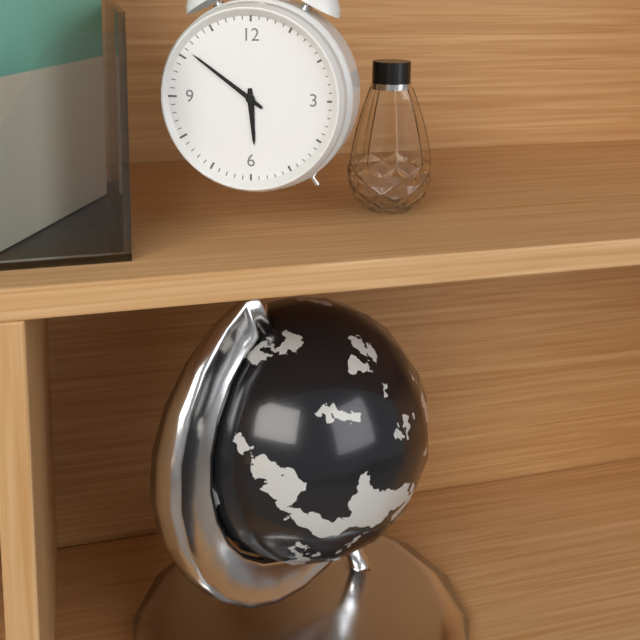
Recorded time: 5:51
